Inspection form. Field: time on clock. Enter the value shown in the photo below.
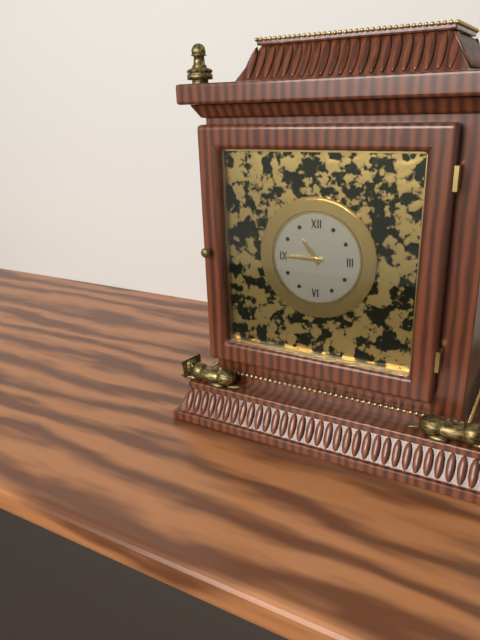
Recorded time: 10:45
